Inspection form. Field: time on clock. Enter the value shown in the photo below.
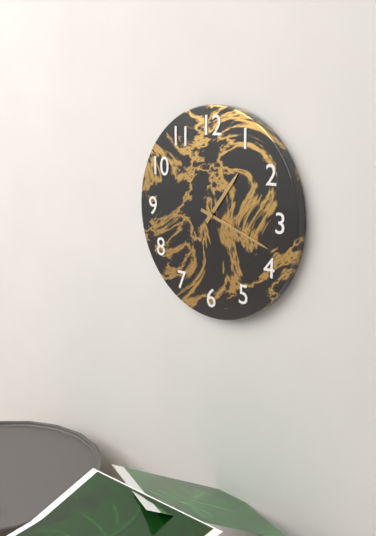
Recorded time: 1:18
